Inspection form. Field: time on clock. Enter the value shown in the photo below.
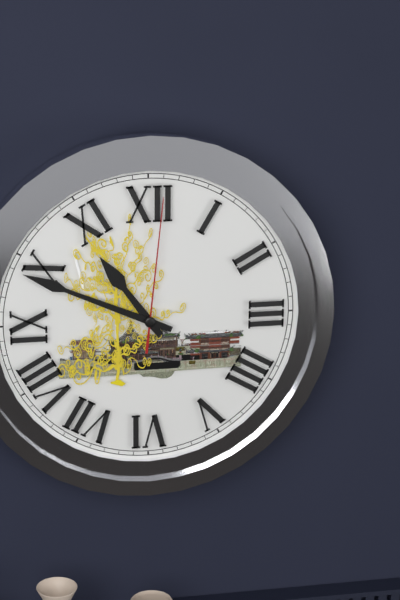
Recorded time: 10:49:01
